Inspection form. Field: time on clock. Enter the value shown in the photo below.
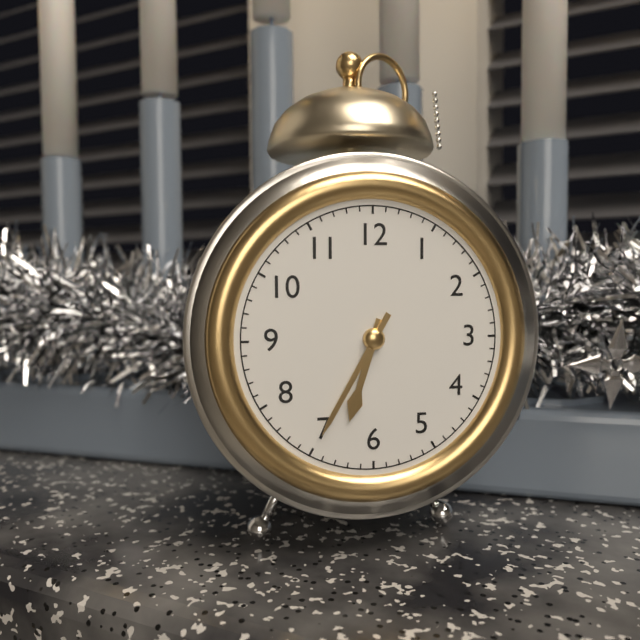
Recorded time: 6:35
